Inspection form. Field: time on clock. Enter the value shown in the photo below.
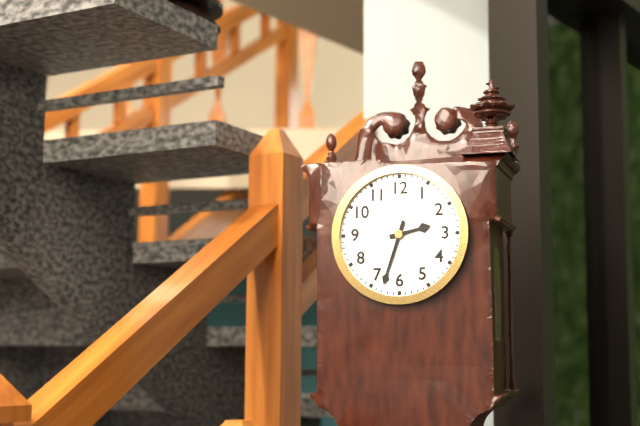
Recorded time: 2:33
